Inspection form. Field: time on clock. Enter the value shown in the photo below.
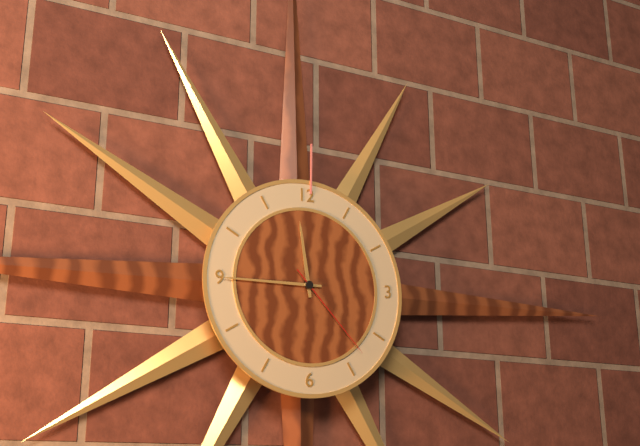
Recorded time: 11:45:23
